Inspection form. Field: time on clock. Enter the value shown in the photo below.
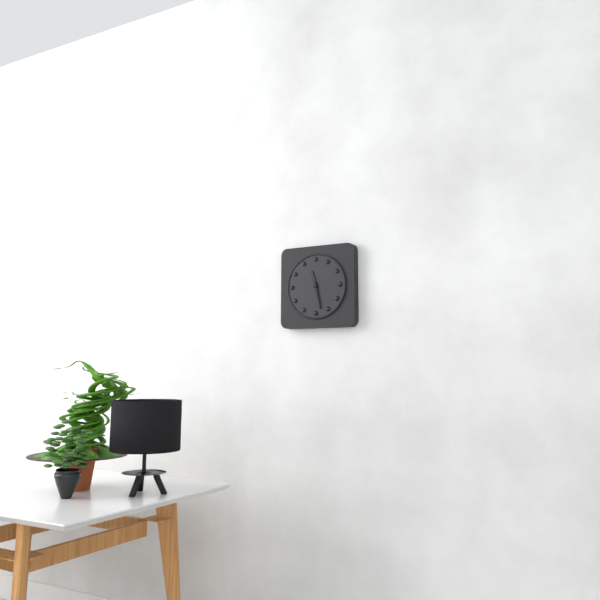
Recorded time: 11:28
